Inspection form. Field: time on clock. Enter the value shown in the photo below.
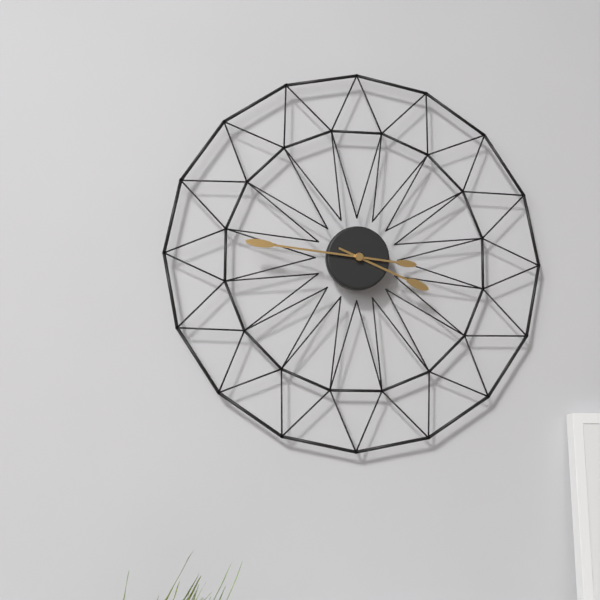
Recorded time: 3:46
